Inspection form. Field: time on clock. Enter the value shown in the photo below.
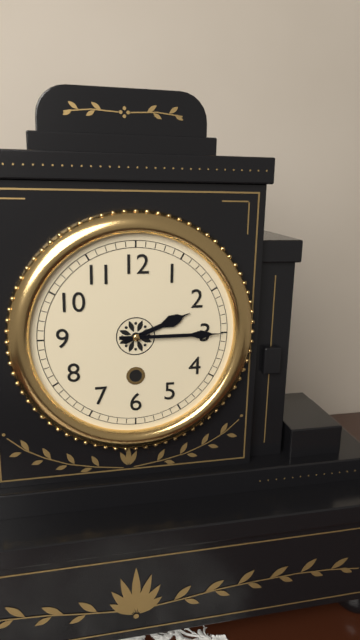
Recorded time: 2:15
